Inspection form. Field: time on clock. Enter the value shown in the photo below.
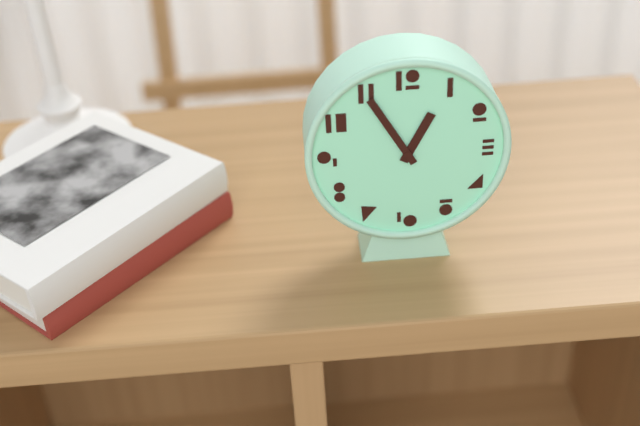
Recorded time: 12:55
